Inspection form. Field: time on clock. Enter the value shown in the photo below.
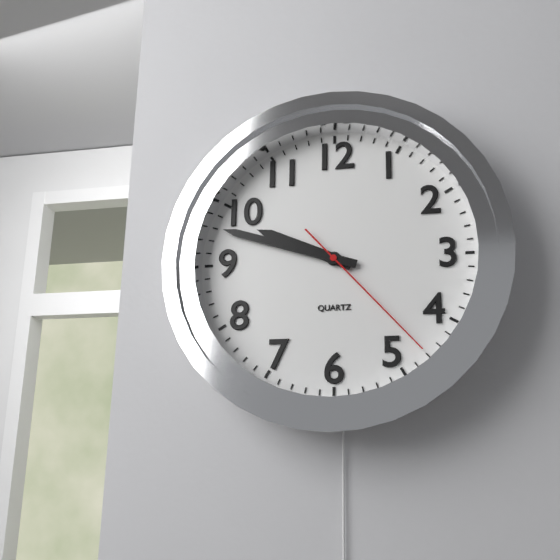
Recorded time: 9:48:23
